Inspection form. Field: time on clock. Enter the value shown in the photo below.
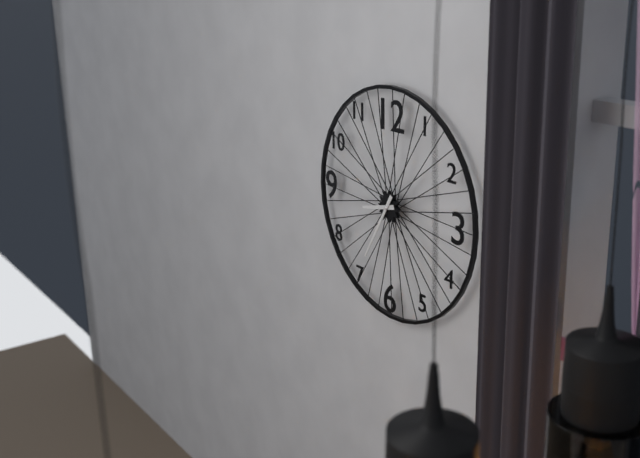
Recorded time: 8:35
